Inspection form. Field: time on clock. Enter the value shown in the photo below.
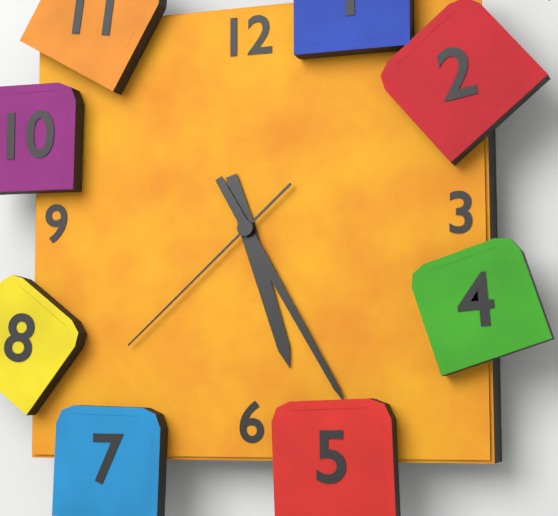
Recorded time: 5:25:38
